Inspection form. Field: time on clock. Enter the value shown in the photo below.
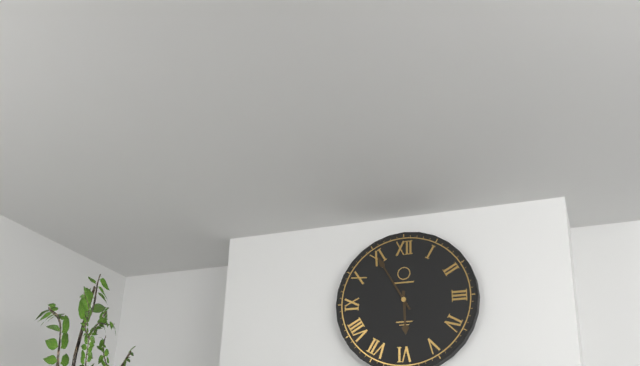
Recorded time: 5:55
